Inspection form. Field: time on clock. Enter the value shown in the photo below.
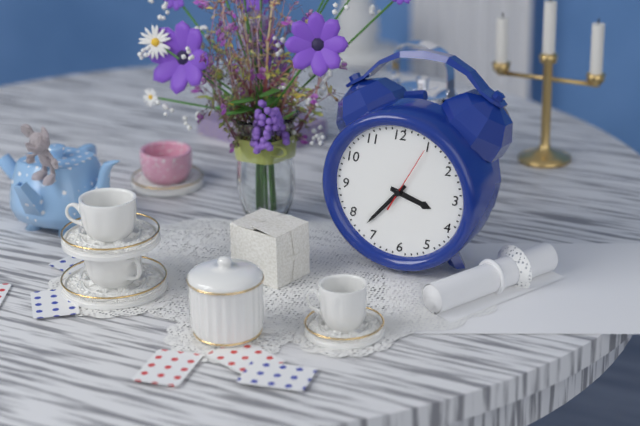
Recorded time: 3:37:05
